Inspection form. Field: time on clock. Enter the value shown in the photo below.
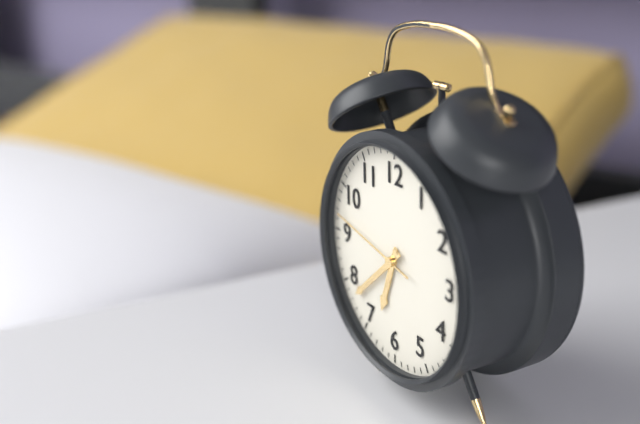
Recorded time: 6:38:47
